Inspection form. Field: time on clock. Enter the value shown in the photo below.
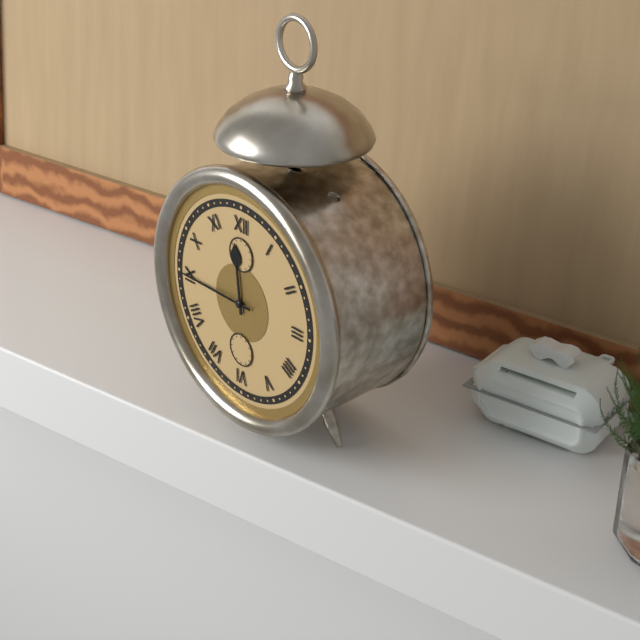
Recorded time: 11:45
